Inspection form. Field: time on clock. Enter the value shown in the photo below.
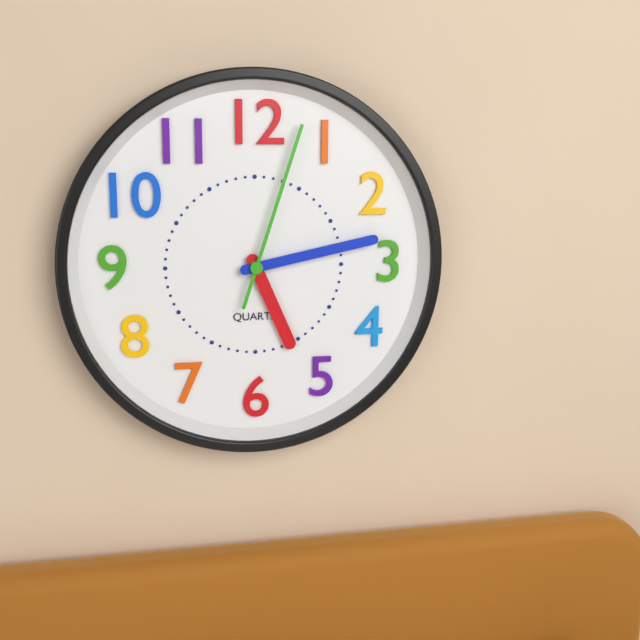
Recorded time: 5:13:03
